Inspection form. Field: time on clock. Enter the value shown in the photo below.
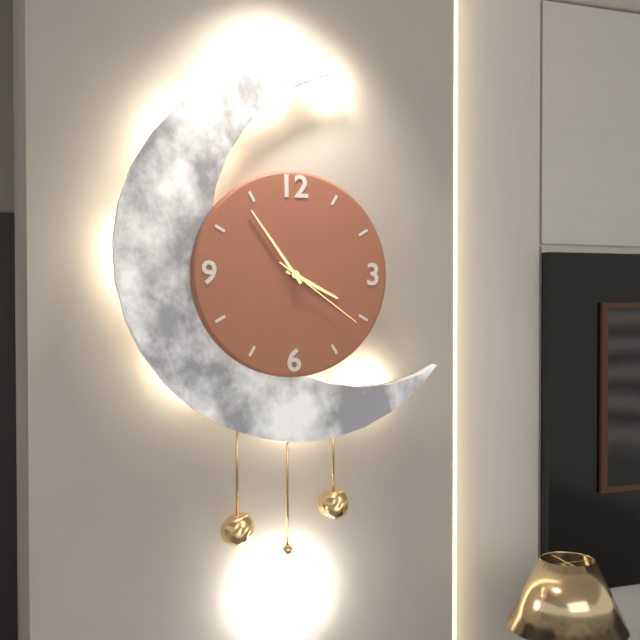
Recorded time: 3:54:21
